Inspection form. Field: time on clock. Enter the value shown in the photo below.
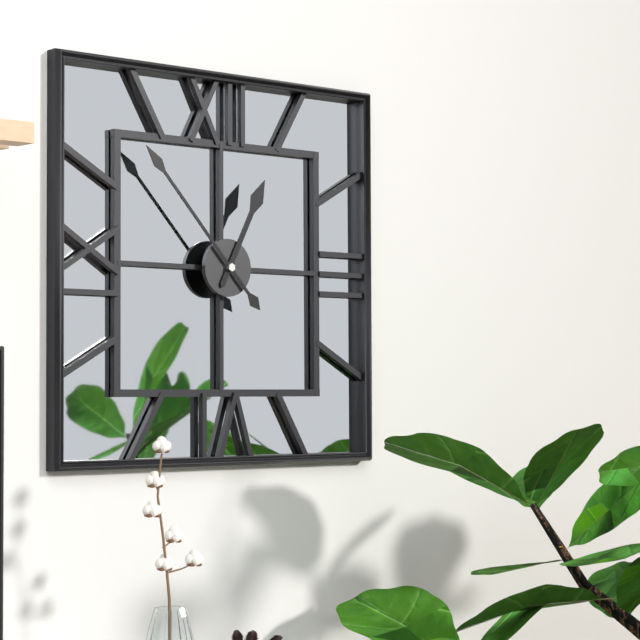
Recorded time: 12:53
